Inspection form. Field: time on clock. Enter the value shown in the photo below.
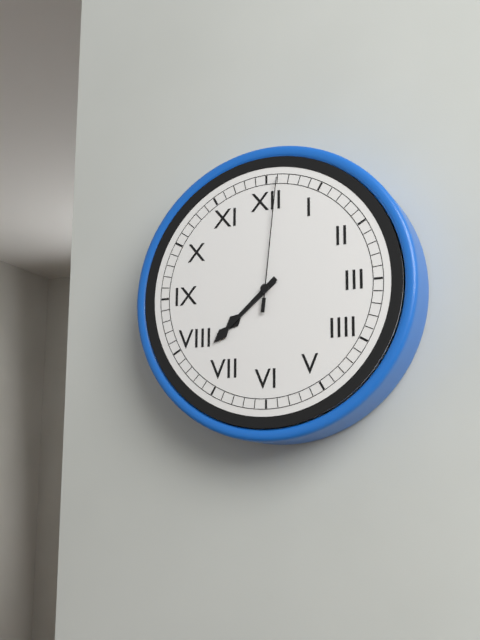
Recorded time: 7:38:01
